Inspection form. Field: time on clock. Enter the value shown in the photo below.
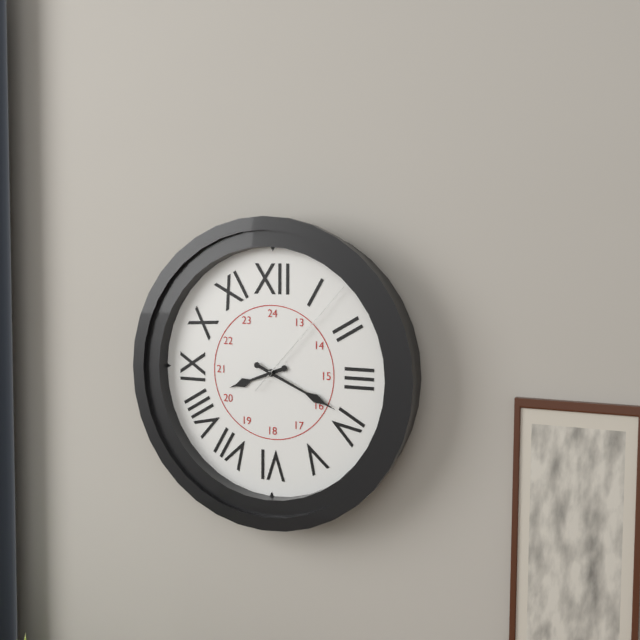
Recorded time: 8:19:07
